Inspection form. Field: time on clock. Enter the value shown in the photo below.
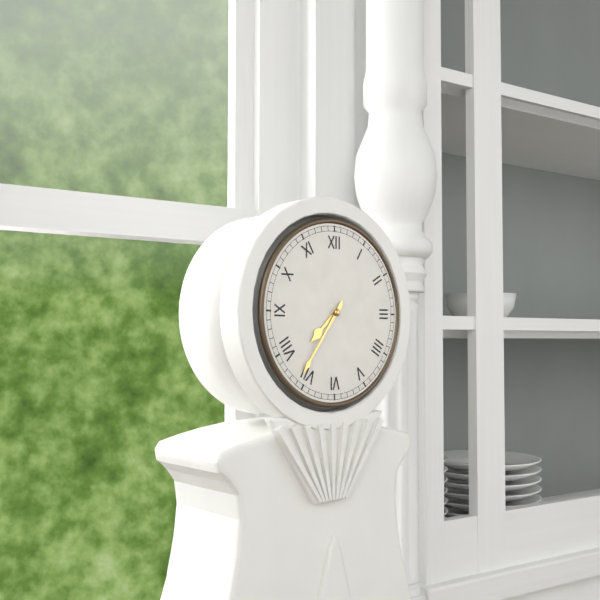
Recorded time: 7:36
